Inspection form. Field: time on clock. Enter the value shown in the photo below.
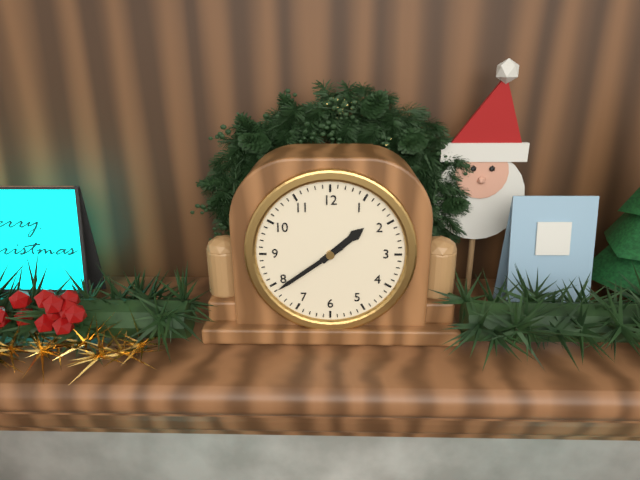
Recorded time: 1:39
